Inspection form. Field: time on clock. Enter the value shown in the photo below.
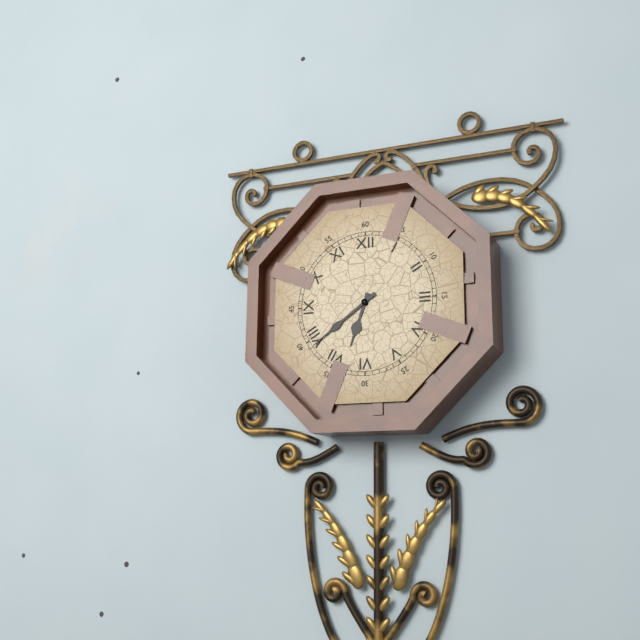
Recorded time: 6:39
